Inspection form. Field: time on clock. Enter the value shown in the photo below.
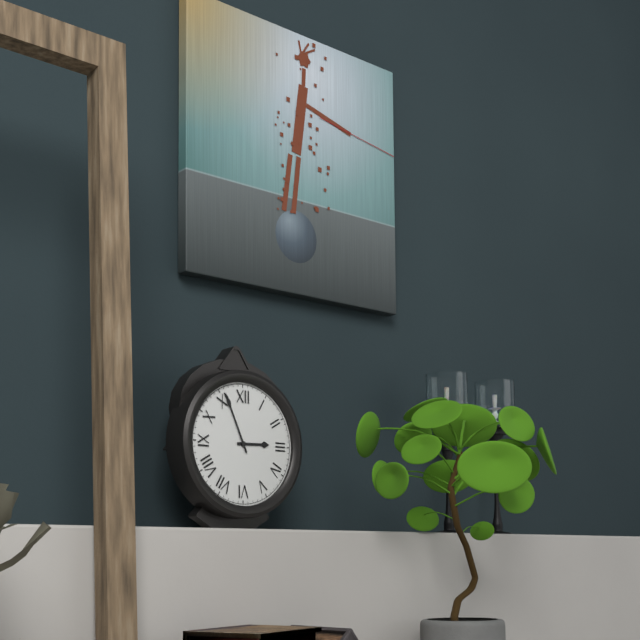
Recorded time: 2:56
